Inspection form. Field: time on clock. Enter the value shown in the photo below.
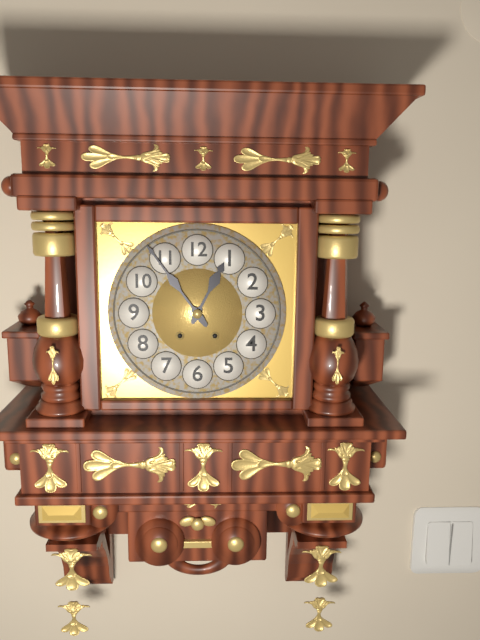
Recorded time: 12:54
